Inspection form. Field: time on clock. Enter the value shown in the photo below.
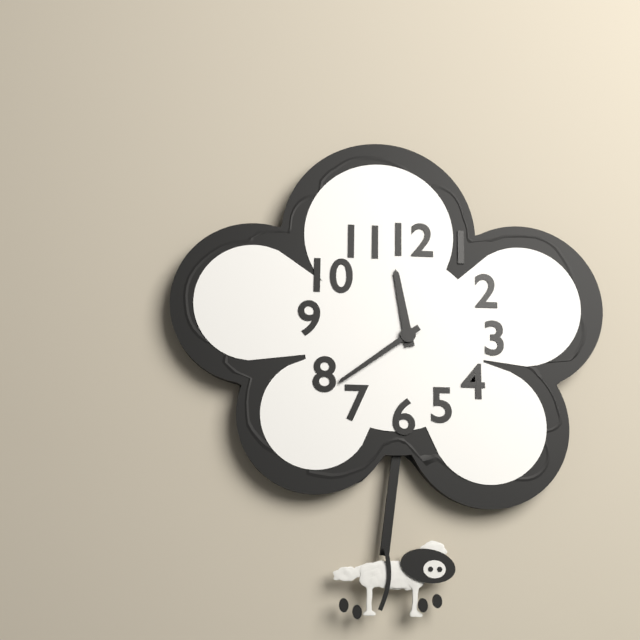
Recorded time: 11:39
